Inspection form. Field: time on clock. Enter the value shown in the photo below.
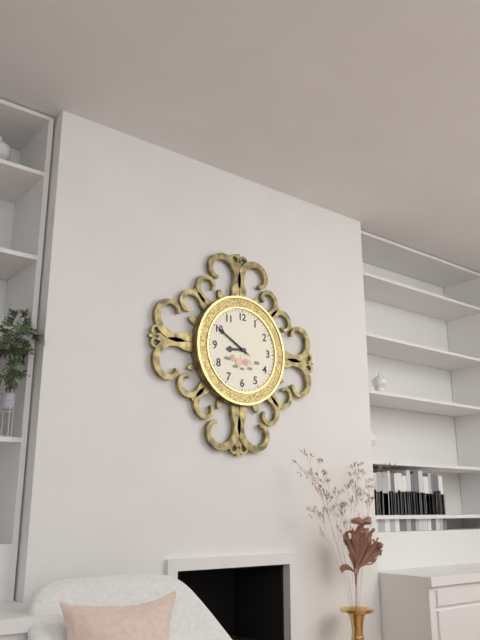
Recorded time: 8:50
